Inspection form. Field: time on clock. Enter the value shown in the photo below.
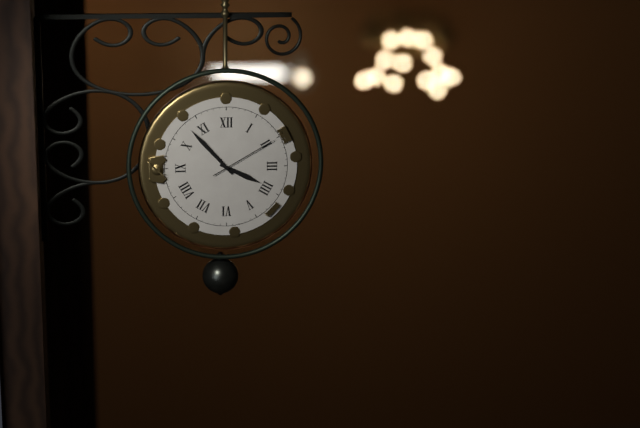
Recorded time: 3:53:10
